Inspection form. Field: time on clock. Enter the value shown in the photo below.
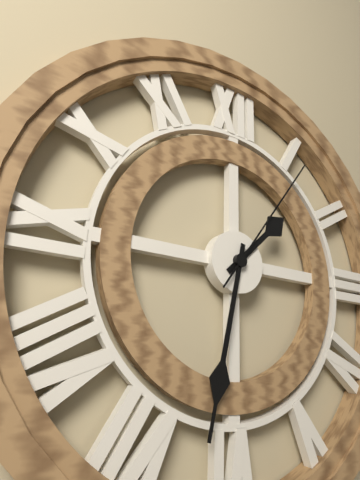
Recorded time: 1:32:06
